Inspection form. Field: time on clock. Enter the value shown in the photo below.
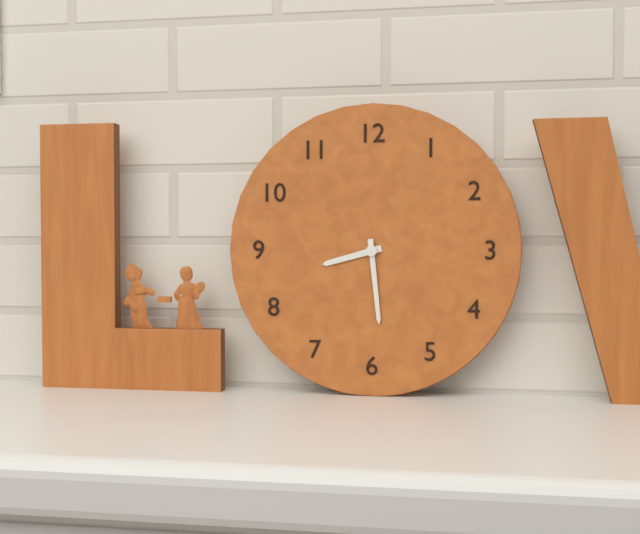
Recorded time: 8:29
